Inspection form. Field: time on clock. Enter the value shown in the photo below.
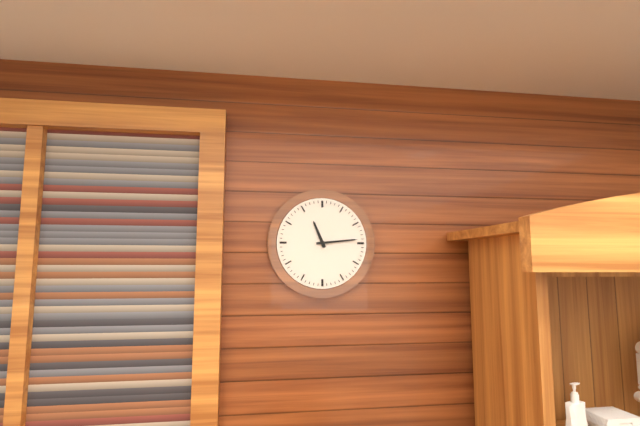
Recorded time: 11:14
